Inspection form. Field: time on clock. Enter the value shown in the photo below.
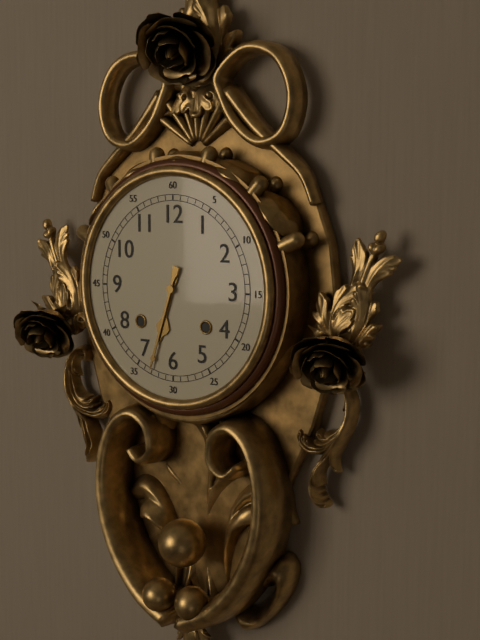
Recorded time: 6:33
